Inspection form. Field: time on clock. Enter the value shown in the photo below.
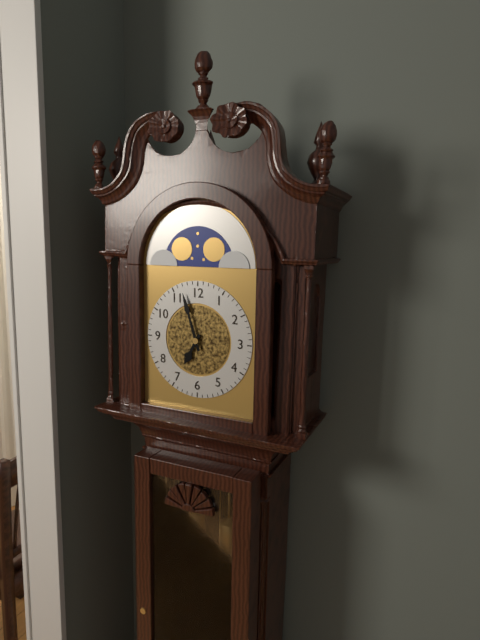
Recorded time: 6:57
